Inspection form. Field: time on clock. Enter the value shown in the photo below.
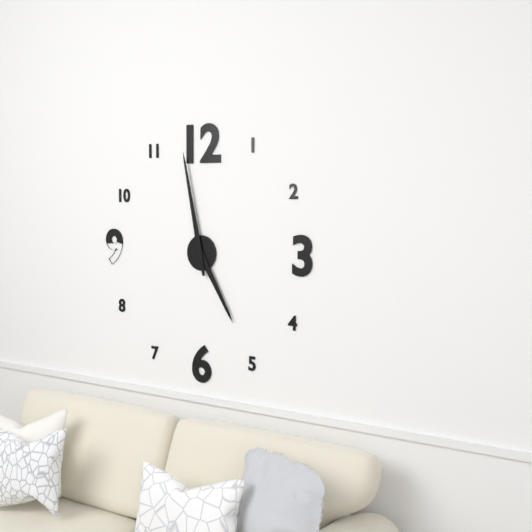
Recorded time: 4:58
